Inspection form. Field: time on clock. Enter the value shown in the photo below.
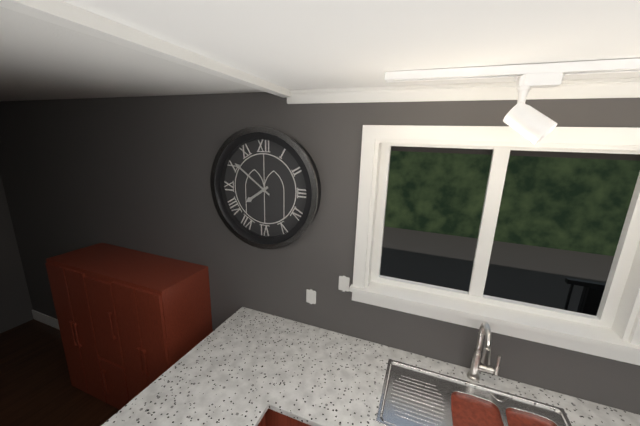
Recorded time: 7:51
